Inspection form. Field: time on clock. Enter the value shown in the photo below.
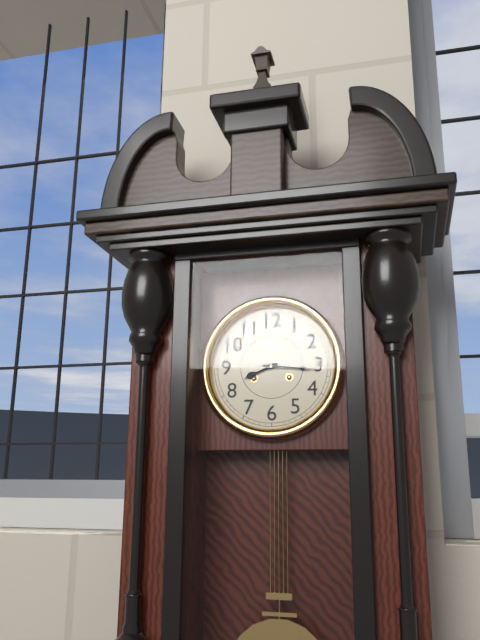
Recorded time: 8:16
